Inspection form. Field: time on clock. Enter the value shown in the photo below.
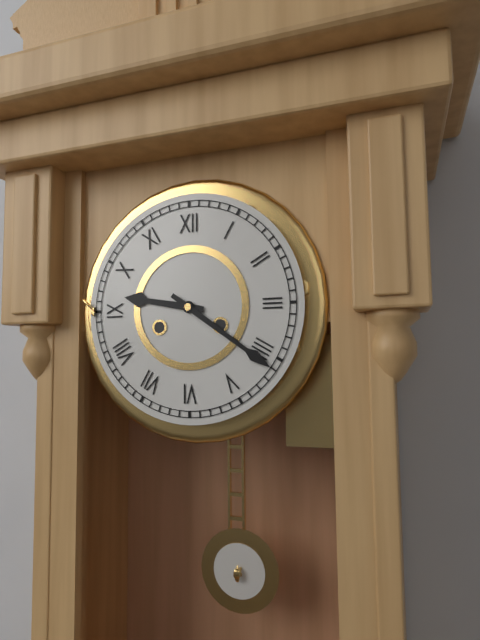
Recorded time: 9:21
